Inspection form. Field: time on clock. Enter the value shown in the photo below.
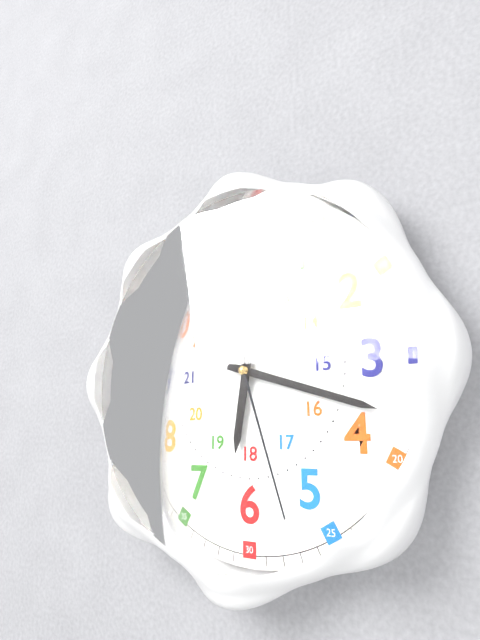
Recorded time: 6:18:27
